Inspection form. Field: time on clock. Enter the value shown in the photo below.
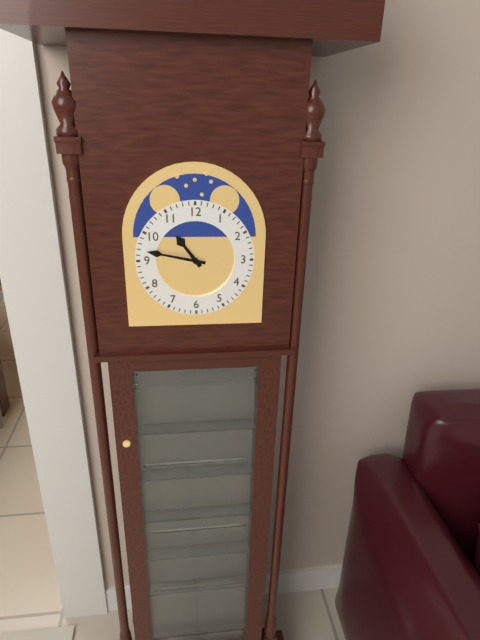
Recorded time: 10:47
